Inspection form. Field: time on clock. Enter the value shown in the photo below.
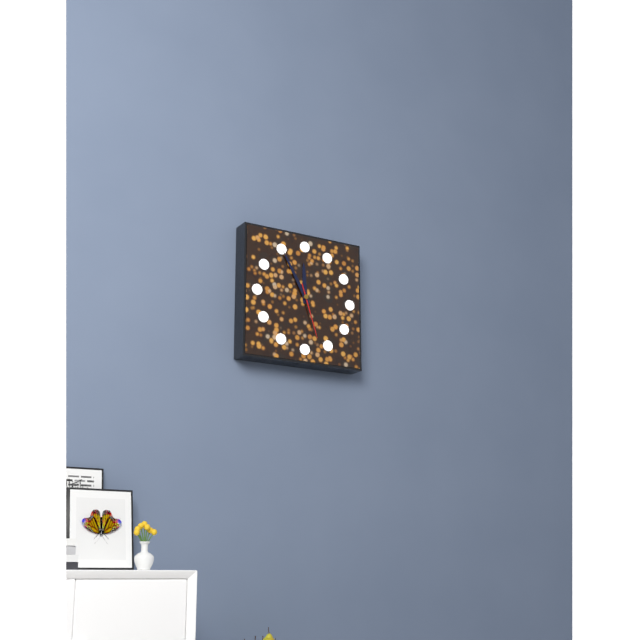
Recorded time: 11:55:27
